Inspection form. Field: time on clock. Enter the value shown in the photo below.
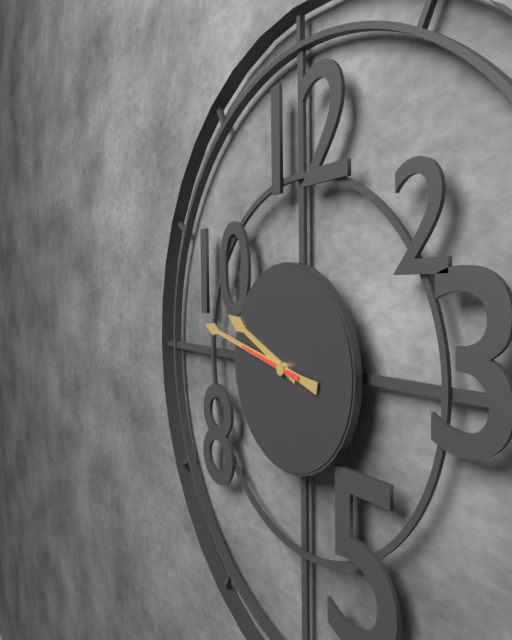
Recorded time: 9:47:47
